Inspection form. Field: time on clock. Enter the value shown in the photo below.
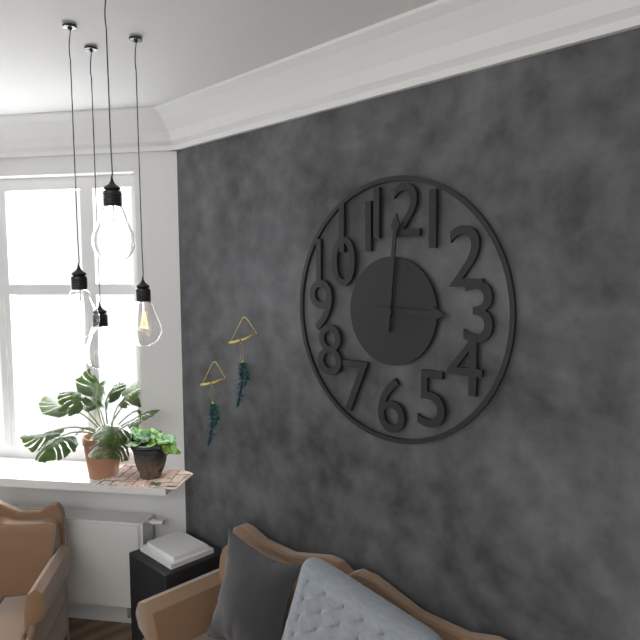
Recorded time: 3:01
